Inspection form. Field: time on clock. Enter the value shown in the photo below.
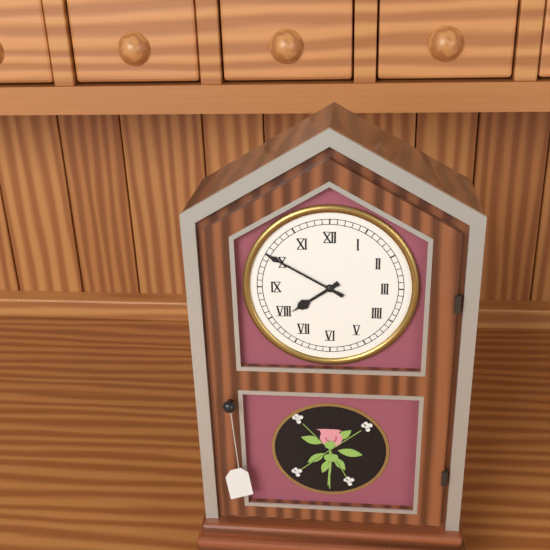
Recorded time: 7:50
